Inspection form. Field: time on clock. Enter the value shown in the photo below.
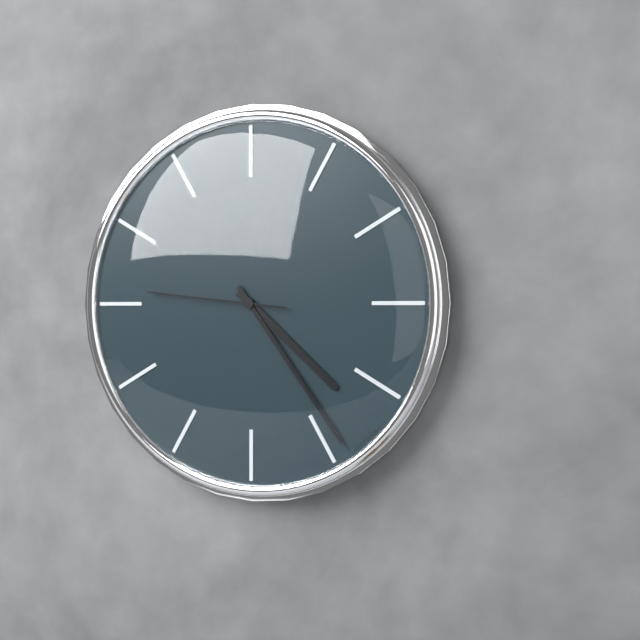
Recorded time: 4:24:46
